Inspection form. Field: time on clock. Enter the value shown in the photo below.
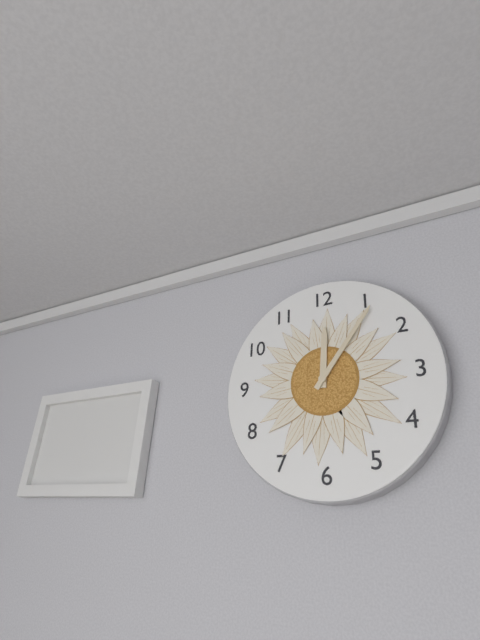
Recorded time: 12:06
